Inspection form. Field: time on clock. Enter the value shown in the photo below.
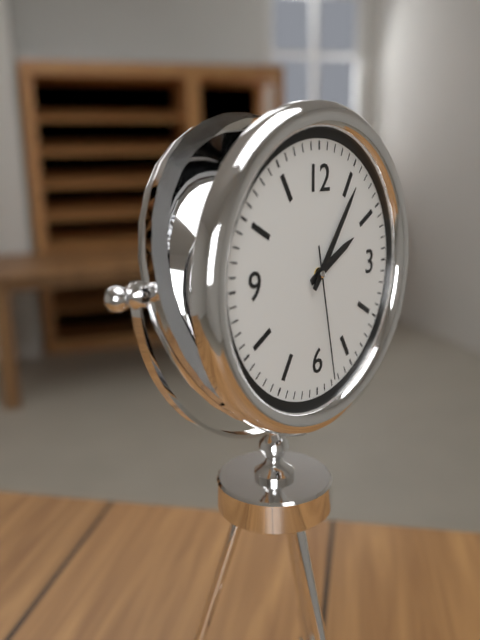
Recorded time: 2:06:28
